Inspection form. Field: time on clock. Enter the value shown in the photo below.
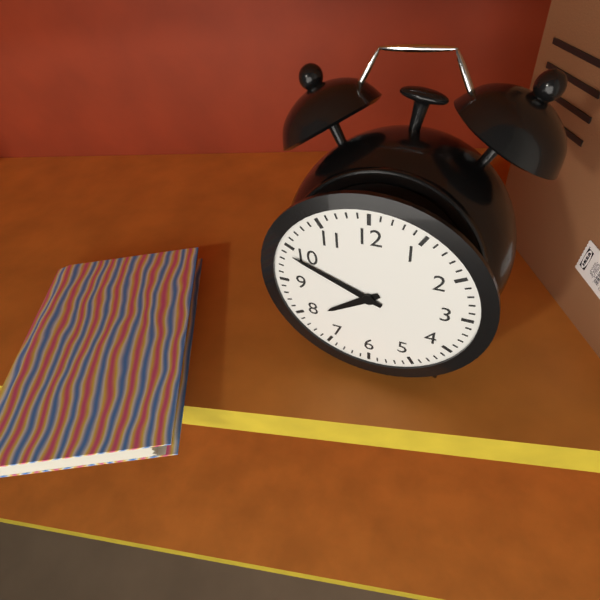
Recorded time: 7:49
